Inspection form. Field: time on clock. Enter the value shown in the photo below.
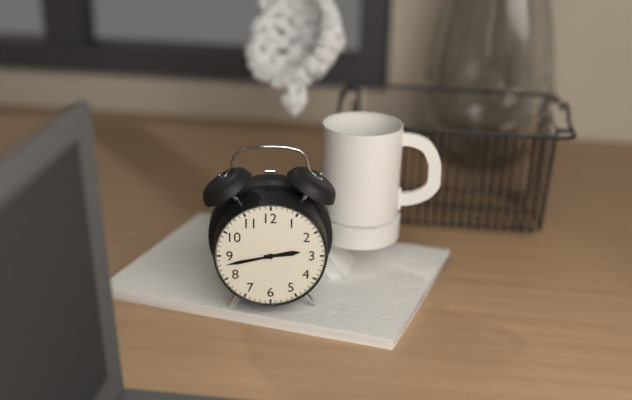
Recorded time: 2:43
